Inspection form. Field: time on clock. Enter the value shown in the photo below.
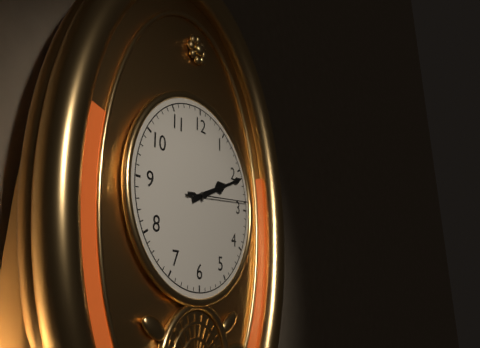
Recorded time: 2:11:14
